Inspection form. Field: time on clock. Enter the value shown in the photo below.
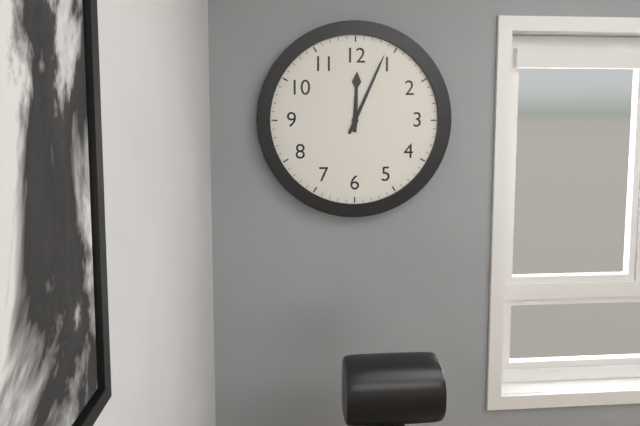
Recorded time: 12:04
